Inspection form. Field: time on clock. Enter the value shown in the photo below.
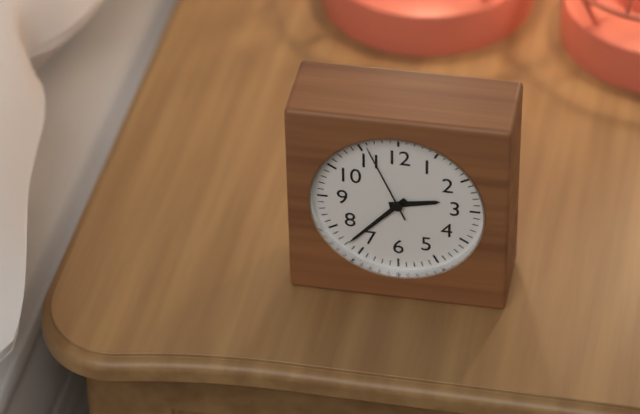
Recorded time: 2:37:56
